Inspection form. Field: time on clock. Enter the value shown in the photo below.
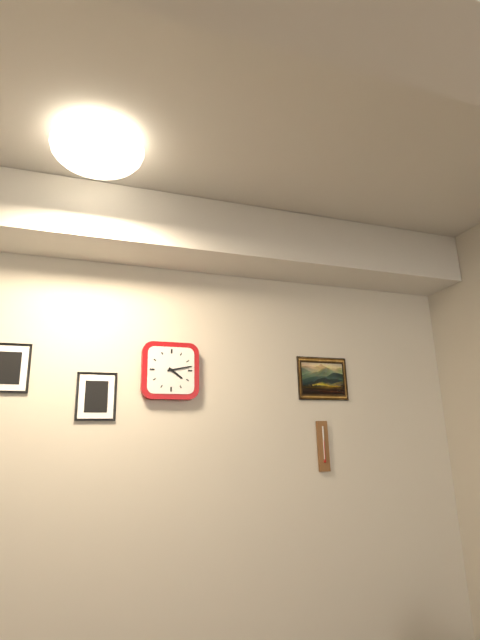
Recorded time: 4:13
